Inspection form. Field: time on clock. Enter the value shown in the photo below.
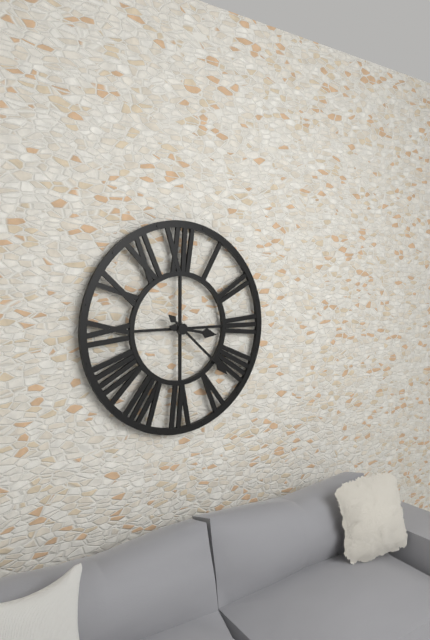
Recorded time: 3:22
